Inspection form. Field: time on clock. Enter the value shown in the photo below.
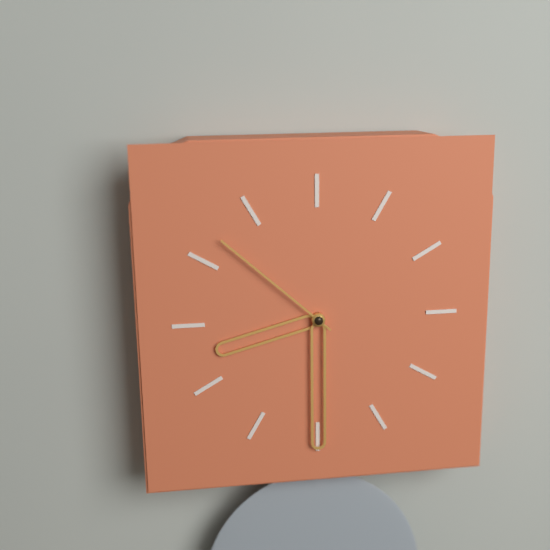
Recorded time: 8:30:52
